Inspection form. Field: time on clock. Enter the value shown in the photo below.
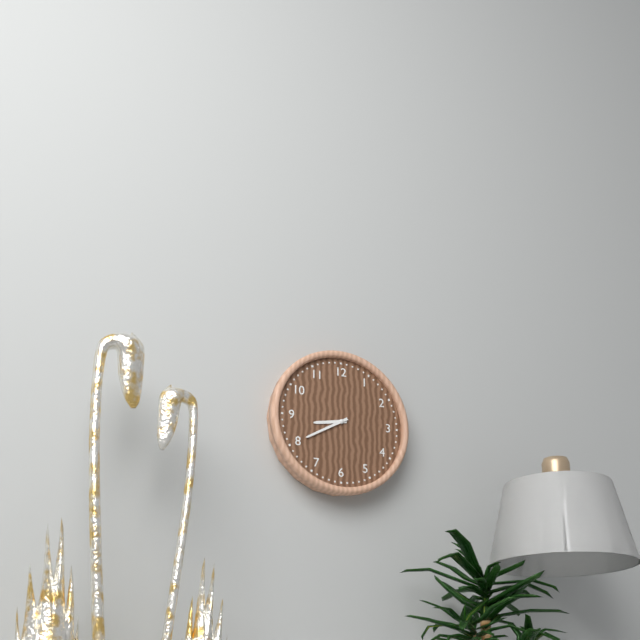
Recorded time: 8:40
